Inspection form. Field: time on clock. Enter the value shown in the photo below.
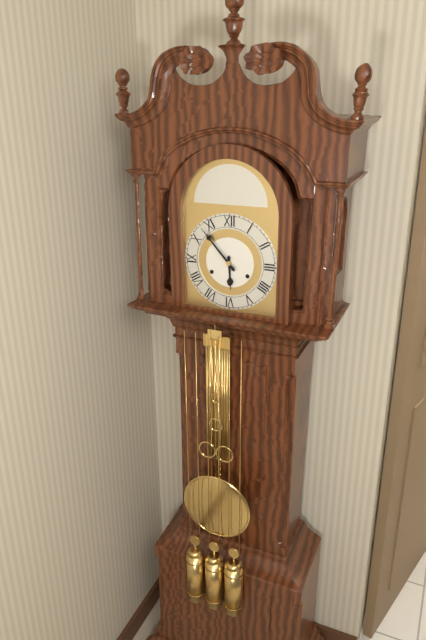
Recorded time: 5:53
